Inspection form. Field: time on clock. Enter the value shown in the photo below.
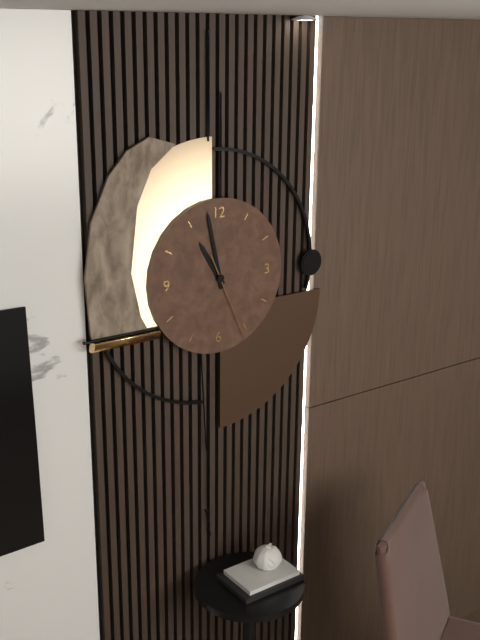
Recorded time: 10:58:26
